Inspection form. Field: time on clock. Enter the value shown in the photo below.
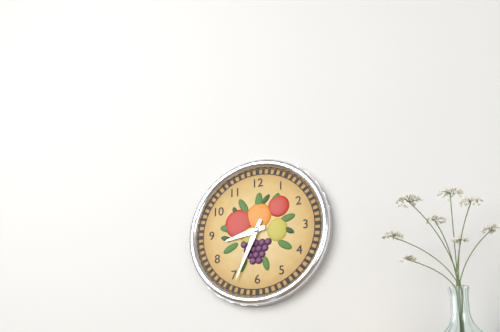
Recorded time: 8:34
